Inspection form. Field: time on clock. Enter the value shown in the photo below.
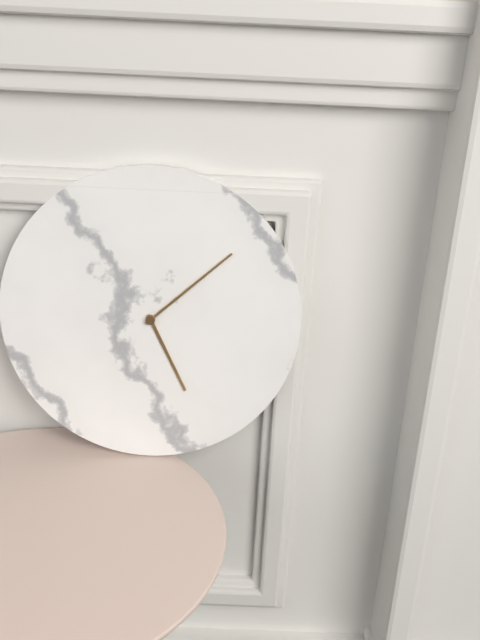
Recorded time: 5:08
